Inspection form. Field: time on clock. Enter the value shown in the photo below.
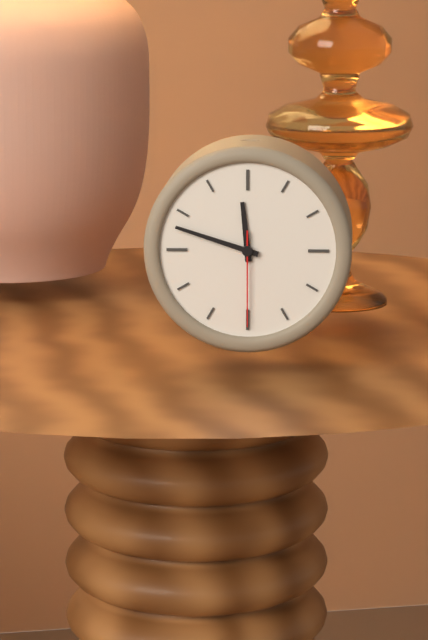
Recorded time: 11:48:30
